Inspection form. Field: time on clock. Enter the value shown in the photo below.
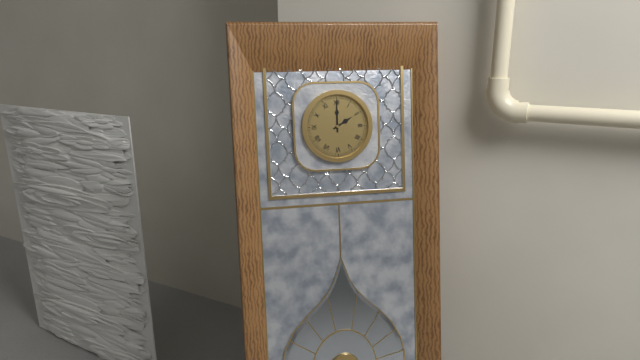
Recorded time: 2:00
